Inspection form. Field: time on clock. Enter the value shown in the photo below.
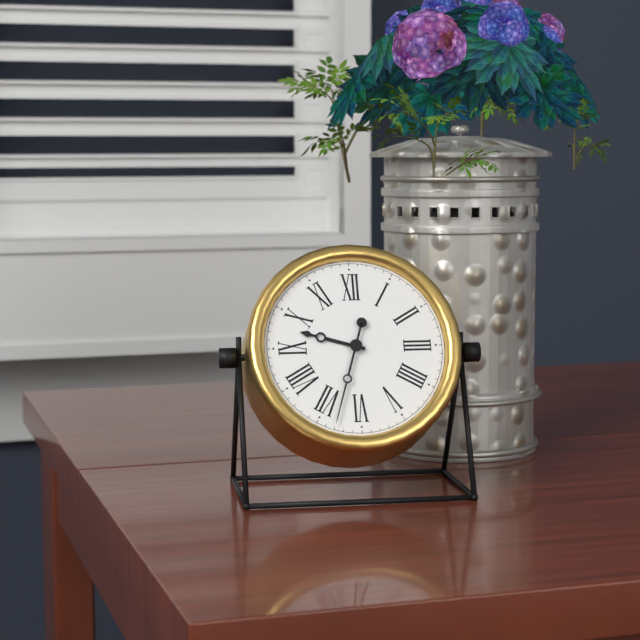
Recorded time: 9:33
